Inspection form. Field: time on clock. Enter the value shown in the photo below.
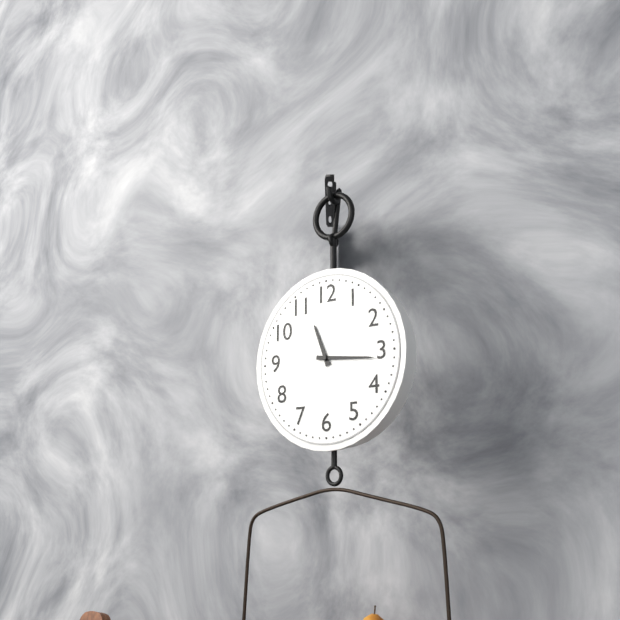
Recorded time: 11:16
